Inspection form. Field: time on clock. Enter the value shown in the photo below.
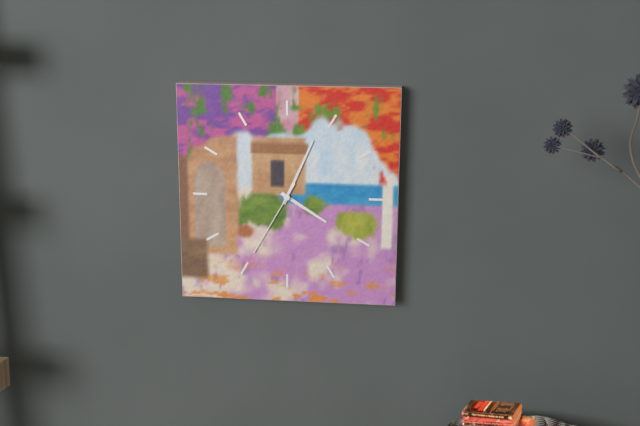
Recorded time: 4:04:35
